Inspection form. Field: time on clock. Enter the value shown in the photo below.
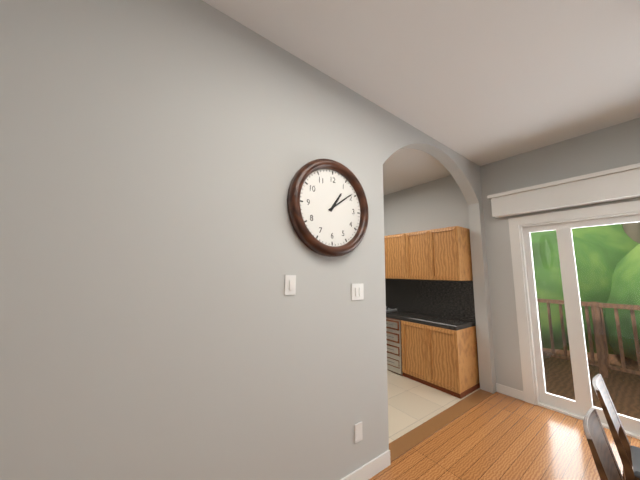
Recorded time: 1:09
